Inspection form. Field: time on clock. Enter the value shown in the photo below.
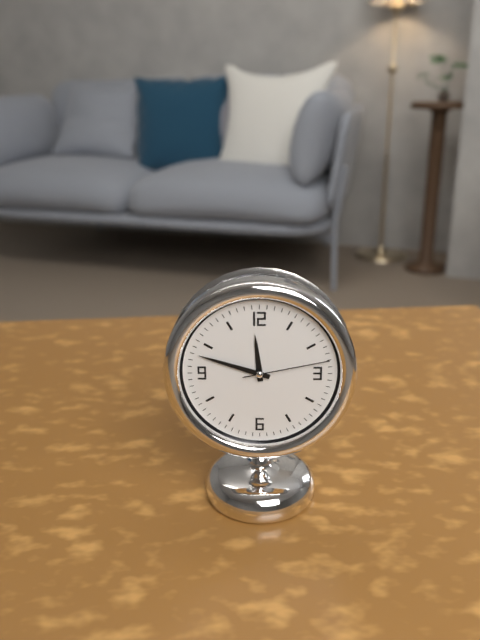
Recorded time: 11:48:13
